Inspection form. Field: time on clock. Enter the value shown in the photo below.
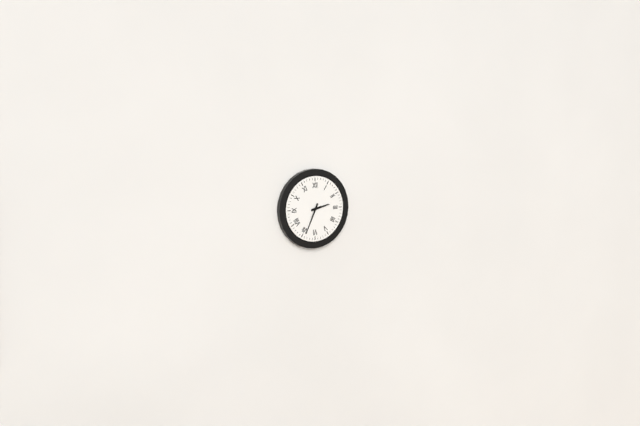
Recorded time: 2:34
